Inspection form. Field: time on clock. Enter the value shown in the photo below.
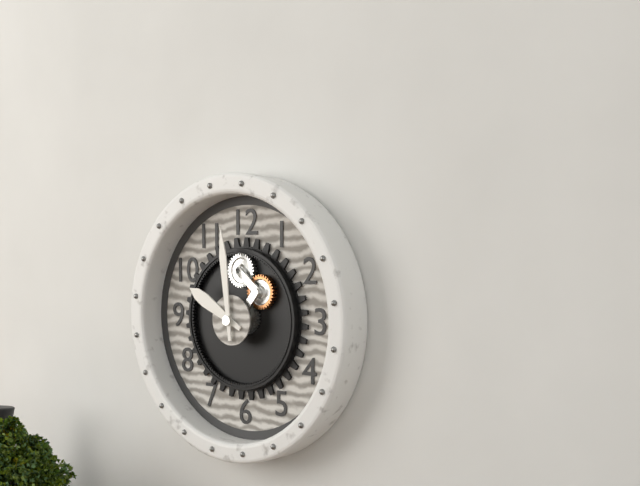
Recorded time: 9:59
